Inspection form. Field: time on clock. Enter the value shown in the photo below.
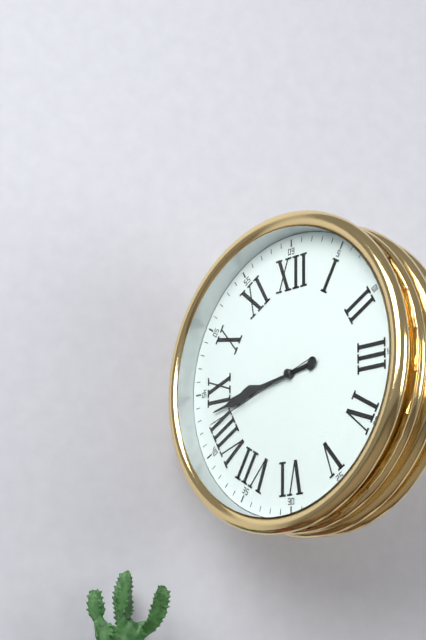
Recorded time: 8:43:42
